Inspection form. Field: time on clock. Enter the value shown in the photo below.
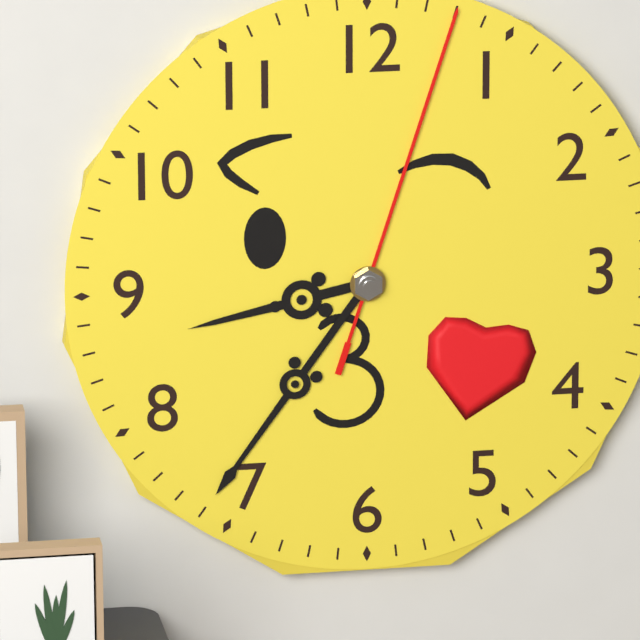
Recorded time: 8:36:03
